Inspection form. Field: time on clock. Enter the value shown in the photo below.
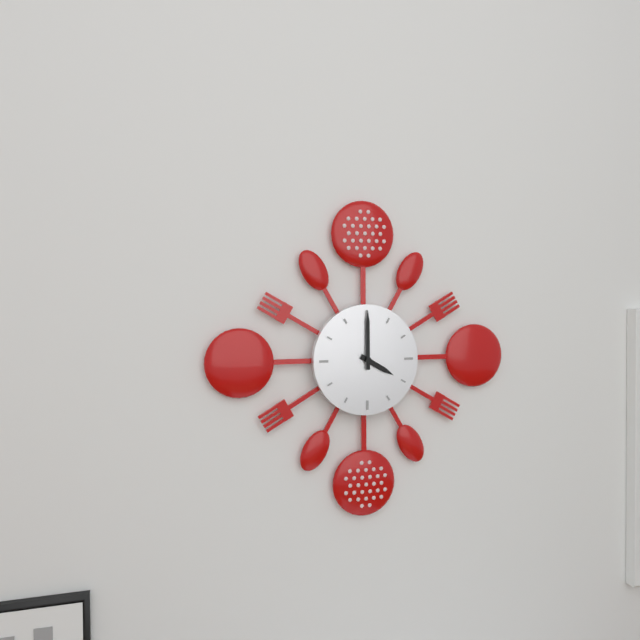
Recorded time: 4:00
